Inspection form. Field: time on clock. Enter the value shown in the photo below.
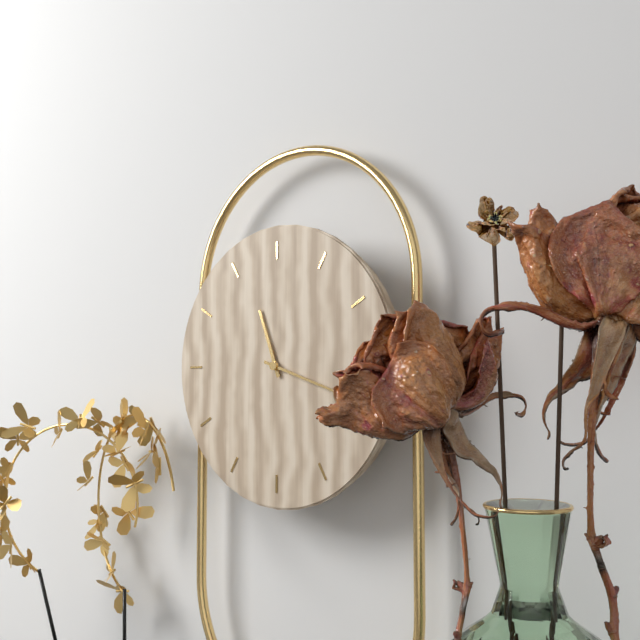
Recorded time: 11:18
